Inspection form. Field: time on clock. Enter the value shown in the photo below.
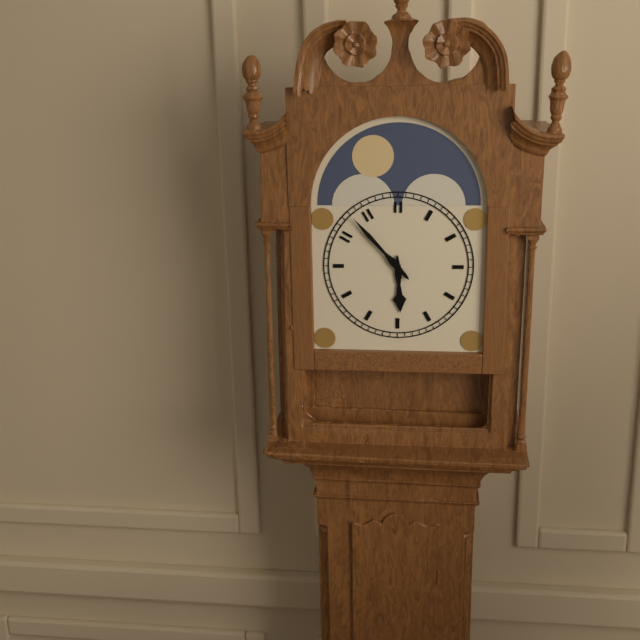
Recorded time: 5:53
